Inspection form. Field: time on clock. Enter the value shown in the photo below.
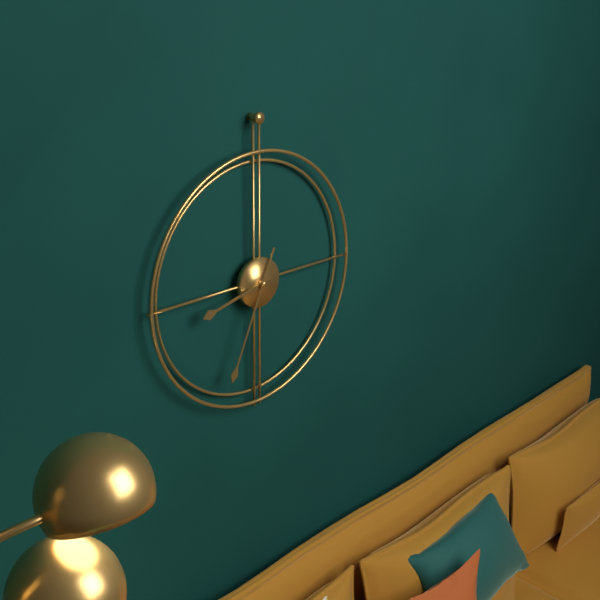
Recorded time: 8:34
